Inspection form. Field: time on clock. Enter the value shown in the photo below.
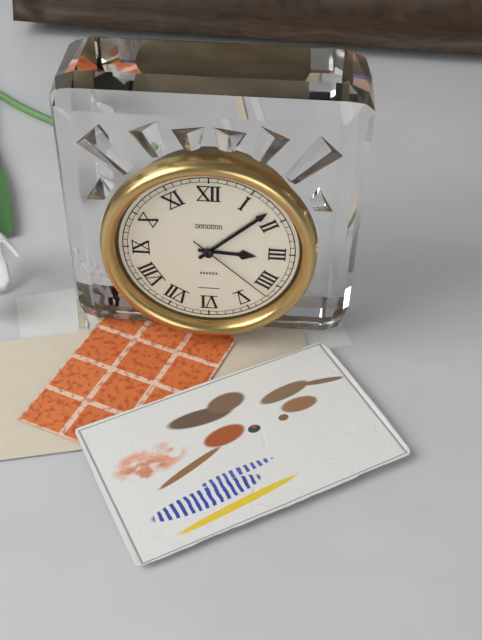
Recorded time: 3:08:22
